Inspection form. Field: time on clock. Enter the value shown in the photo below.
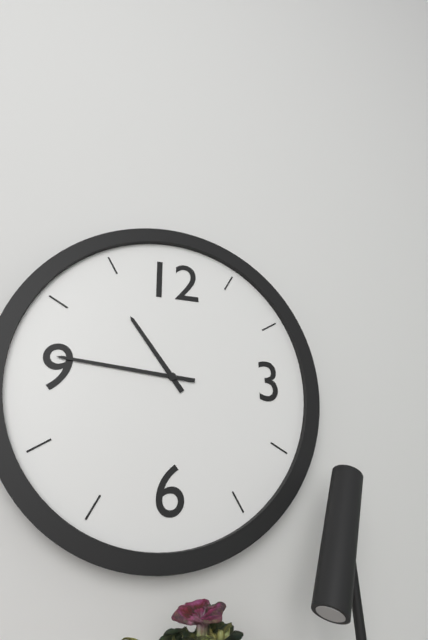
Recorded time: 10:46
